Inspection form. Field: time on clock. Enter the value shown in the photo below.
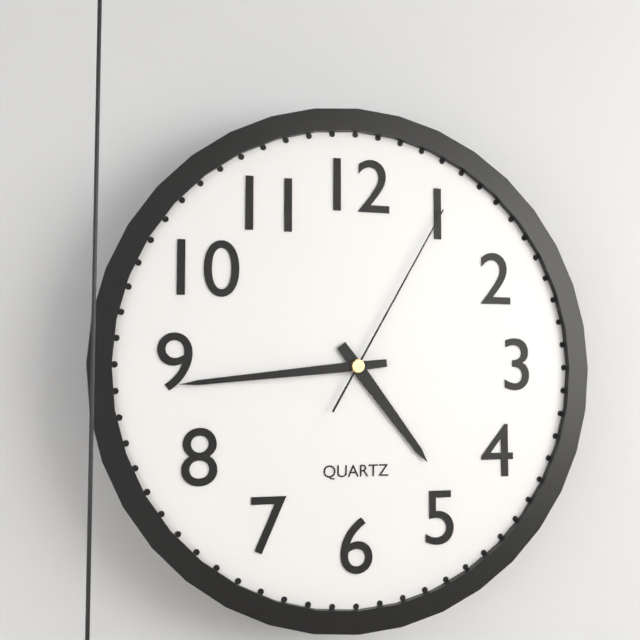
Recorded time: 4:44:05
